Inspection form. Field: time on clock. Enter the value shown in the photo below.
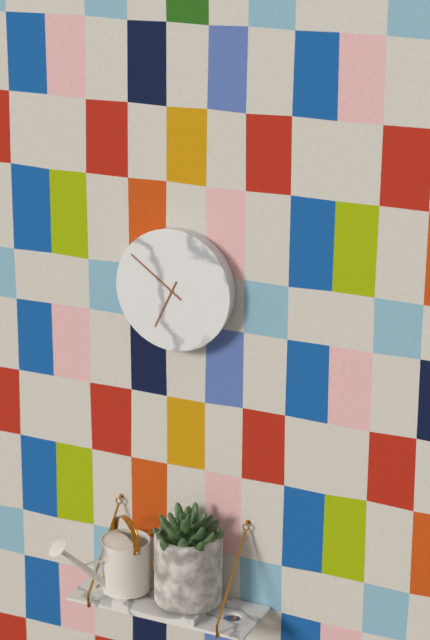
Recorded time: 6:51
